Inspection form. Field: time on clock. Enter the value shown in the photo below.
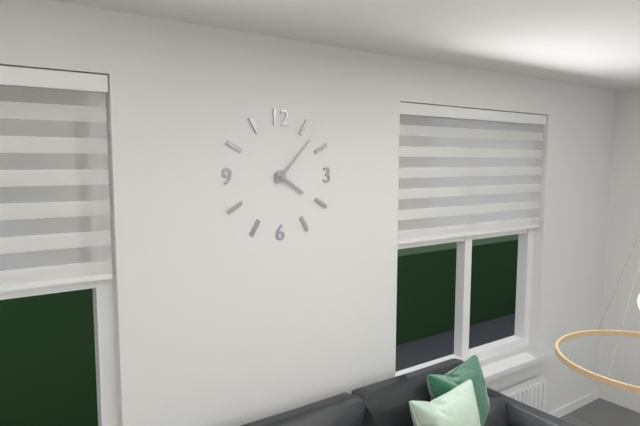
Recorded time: 4:07
